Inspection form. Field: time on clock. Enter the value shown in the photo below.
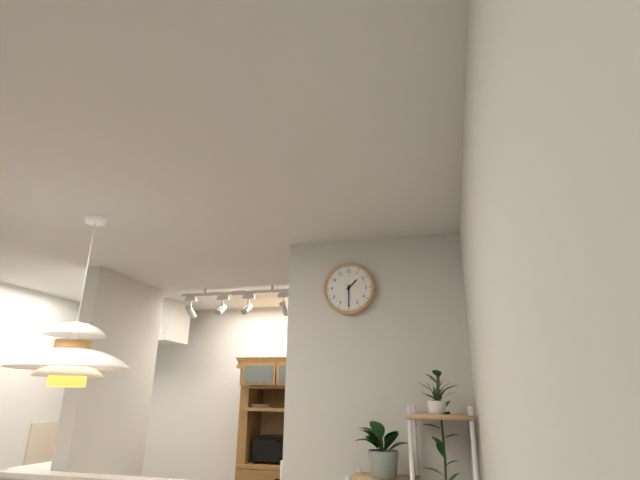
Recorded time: 1:30
